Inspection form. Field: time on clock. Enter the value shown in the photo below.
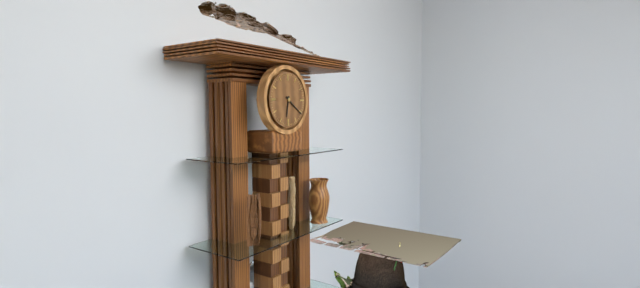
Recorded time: 6:21
